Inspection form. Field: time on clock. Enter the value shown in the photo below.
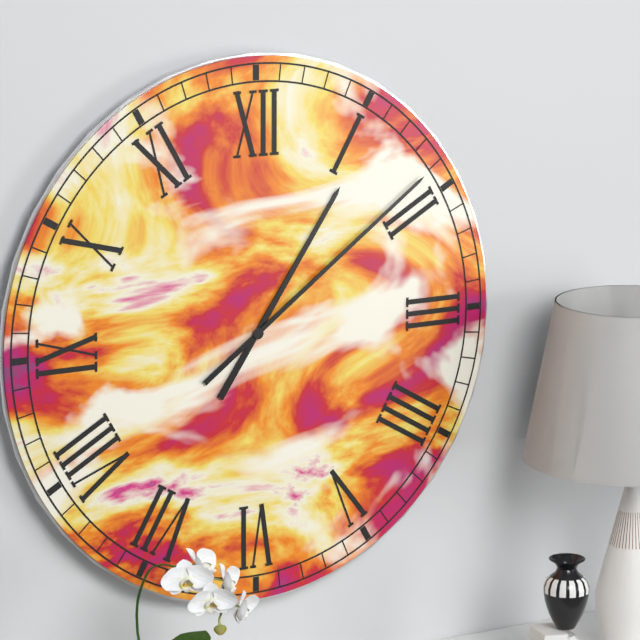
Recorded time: 1:09
